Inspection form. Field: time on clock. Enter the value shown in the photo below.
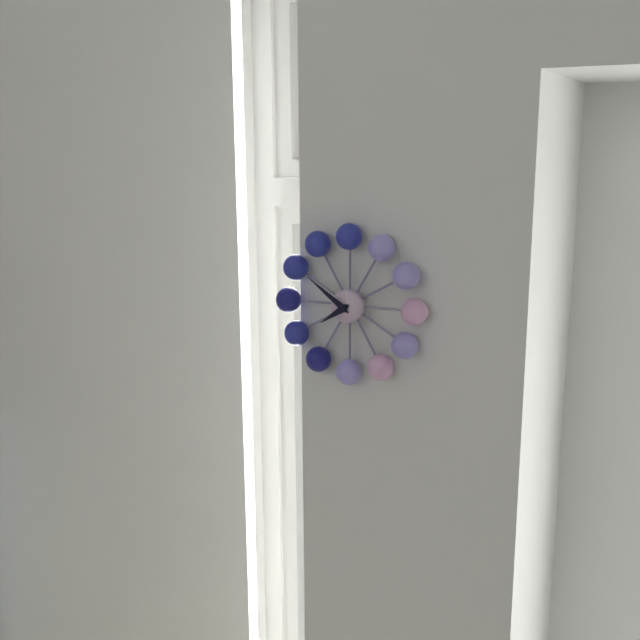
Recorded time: 7:51
